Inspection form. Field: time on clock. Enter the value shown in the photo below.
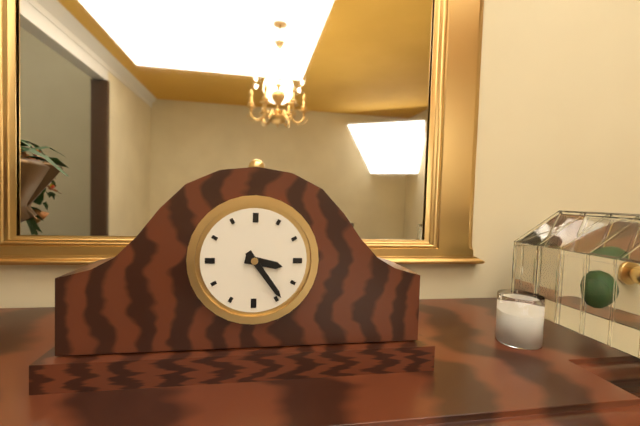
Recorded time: 3:24
